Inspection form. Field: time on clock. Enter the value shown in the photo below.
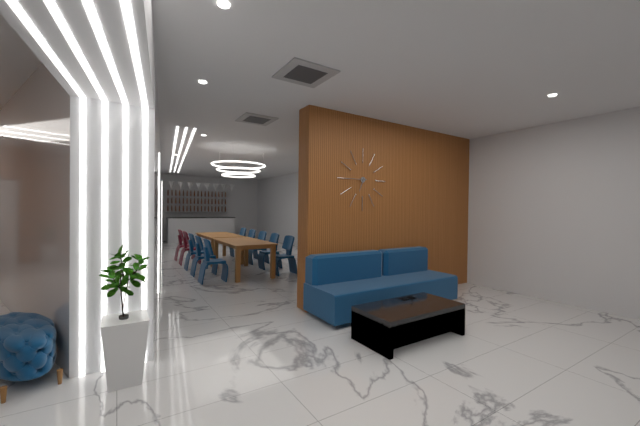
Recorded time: 6:45
